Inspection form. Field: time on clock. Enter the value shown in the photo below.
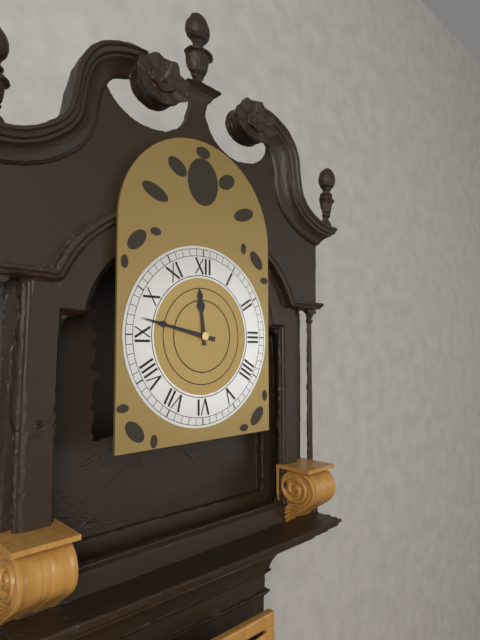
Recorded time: 11:47
